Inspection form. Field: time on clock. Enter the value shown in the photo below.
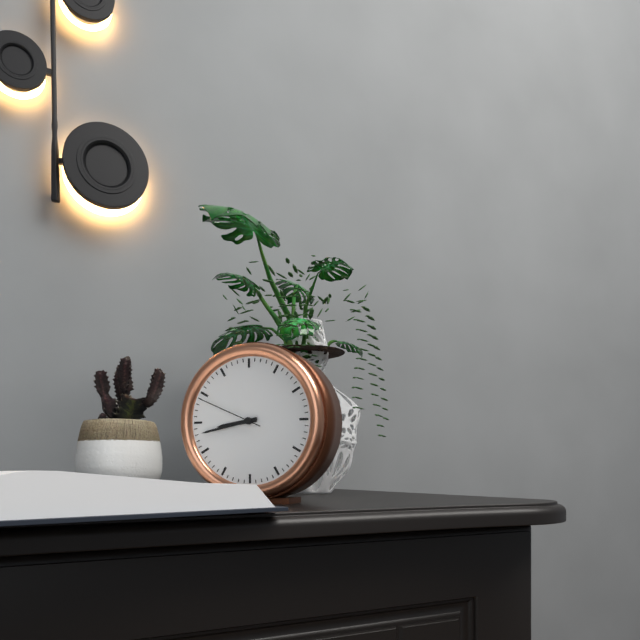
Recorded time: 8:43:49
